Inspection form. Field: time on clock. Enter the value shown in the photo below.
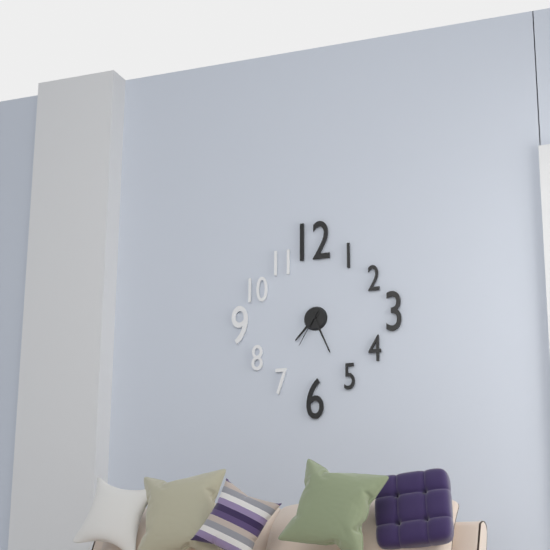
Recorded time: 7:26
